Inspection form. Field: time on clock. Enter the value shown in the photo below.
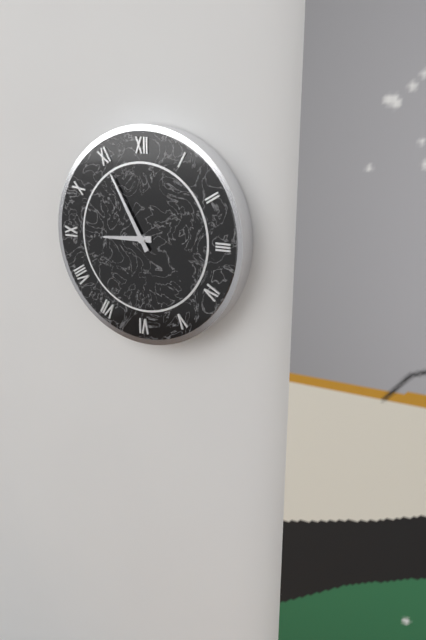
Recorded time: 8:55
